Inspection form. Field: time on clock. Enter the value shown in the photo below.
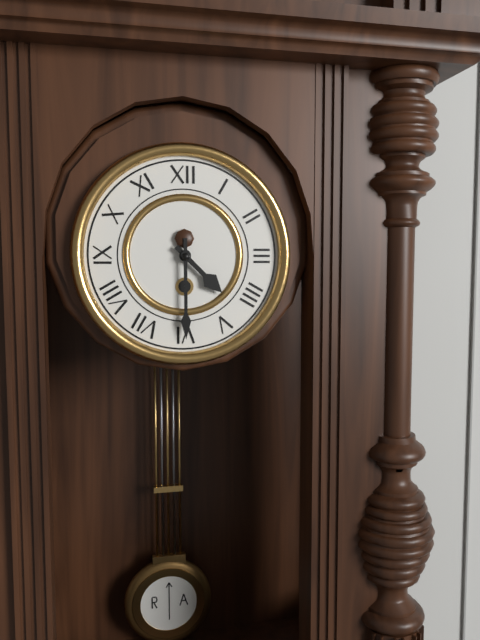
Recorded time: 4:30
